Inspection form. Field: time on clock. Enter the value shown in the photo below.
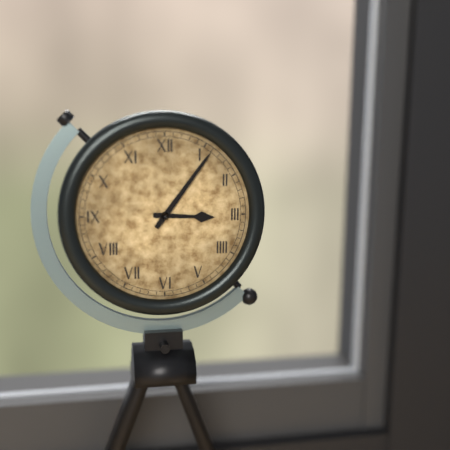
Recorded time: 3:06
